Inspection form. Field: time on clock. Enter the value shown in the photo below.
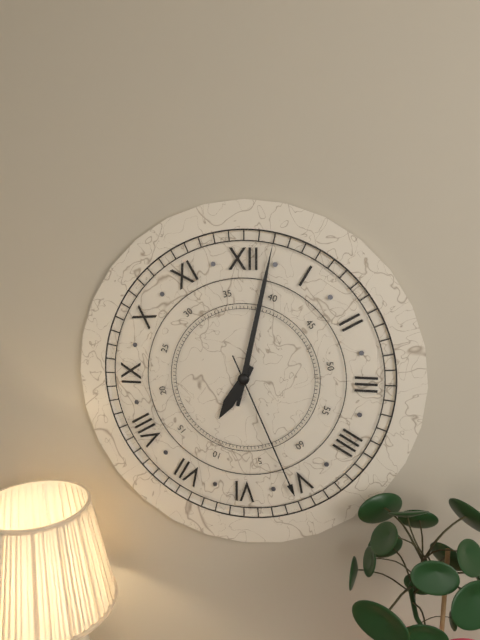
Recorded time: 7:02:26
